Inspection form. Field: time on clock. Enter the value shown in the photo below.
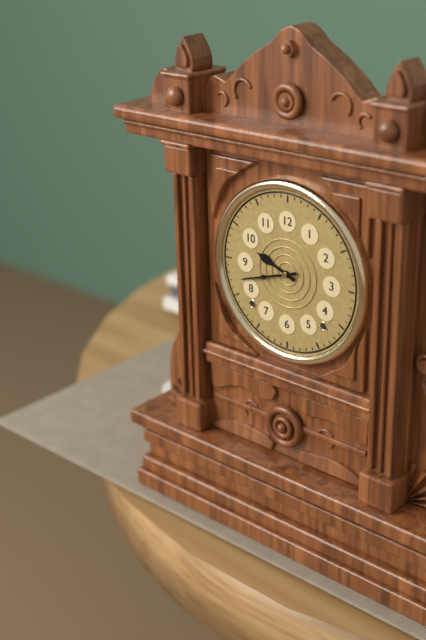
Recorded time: 9:42
